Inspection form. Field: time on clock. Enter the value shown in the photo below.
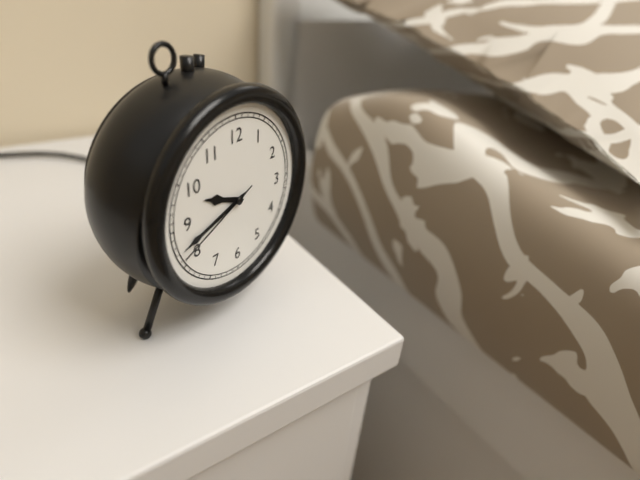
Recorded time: 9:42:41
